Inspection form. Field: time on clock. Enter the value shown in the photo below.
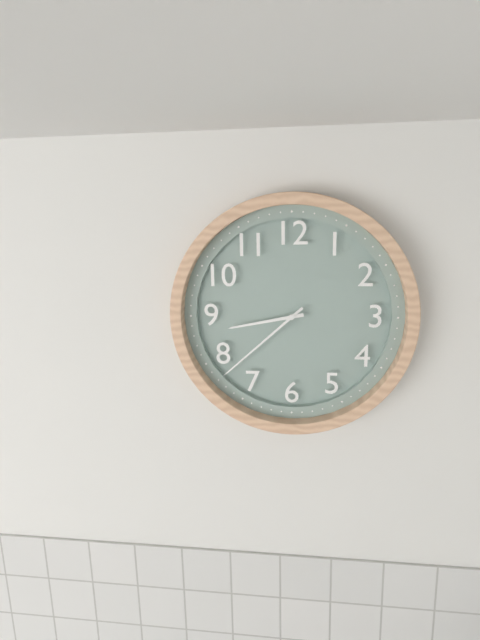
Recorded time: 8:38
